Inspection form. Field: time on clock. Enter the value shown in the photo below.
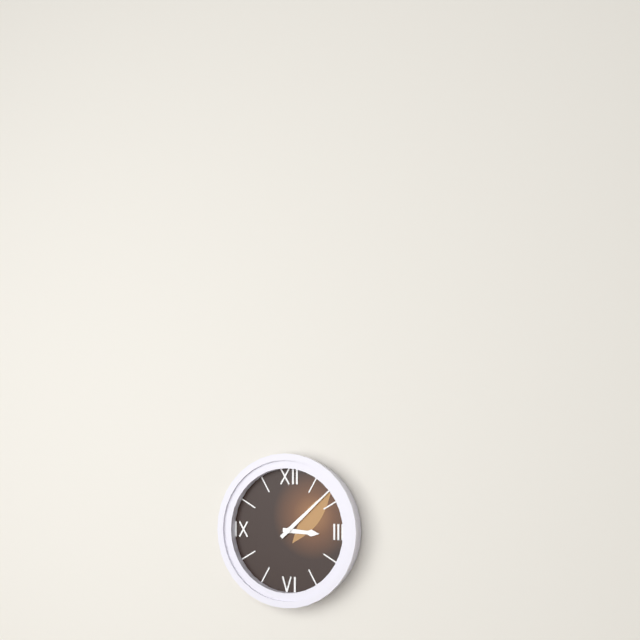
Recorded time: 3:08
